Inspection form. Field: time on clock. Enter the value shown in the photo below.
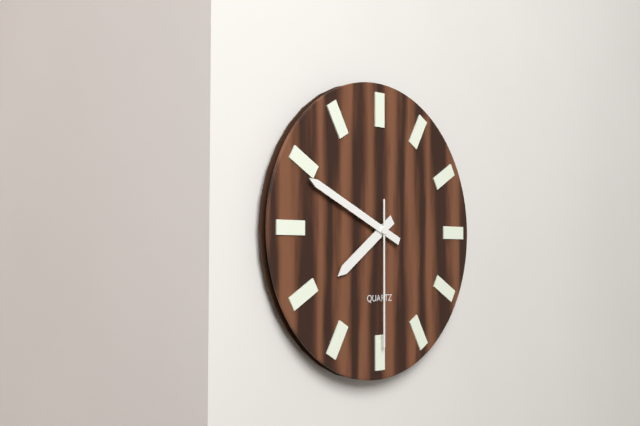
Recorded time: 7:49:30
